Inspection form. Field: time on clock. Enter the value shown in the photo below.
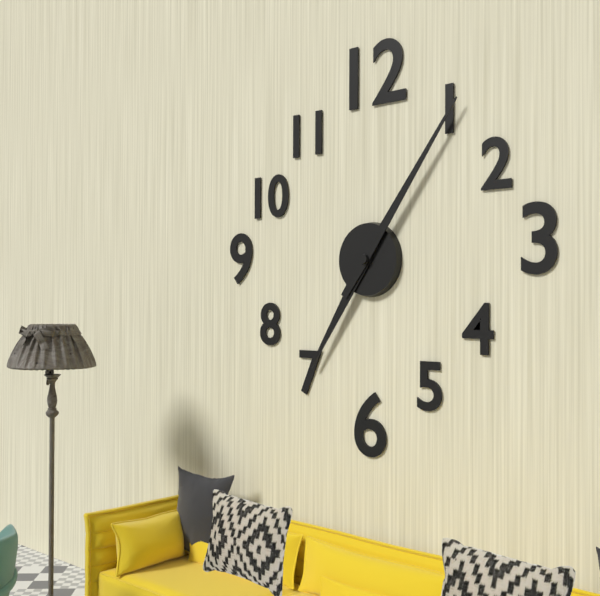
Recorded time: 7:06
